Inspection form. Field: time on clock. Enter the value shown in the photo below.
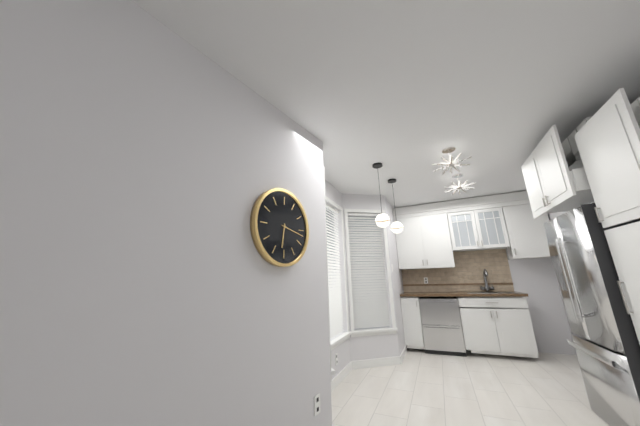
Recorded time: 6:17
